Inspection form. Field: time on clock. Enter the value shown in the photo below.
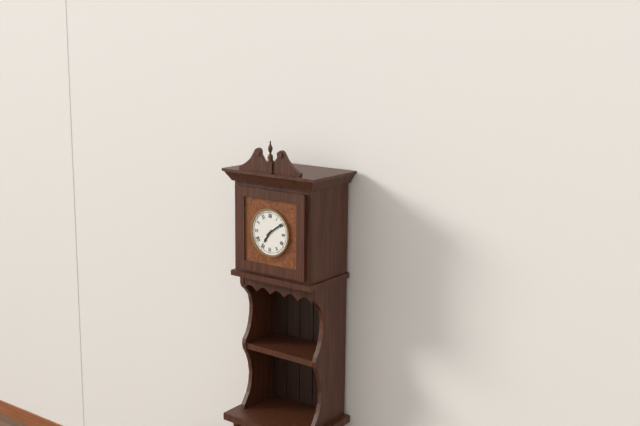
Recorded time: 7:09
